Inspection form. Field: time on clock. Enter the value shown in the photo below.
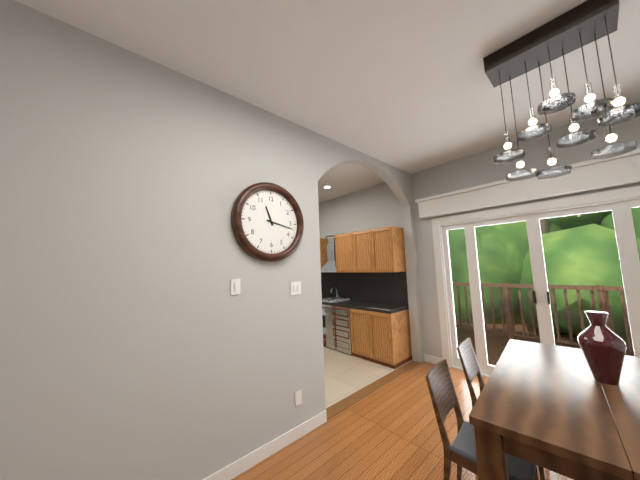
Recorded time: 11:17
